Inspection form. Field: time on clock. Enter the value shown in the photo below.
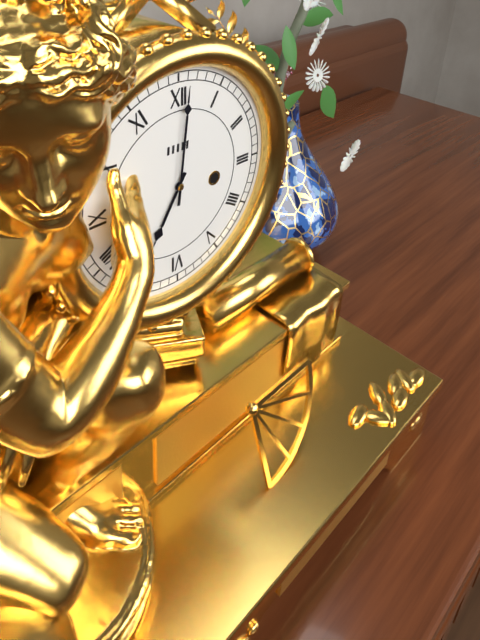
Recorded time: 7:01
